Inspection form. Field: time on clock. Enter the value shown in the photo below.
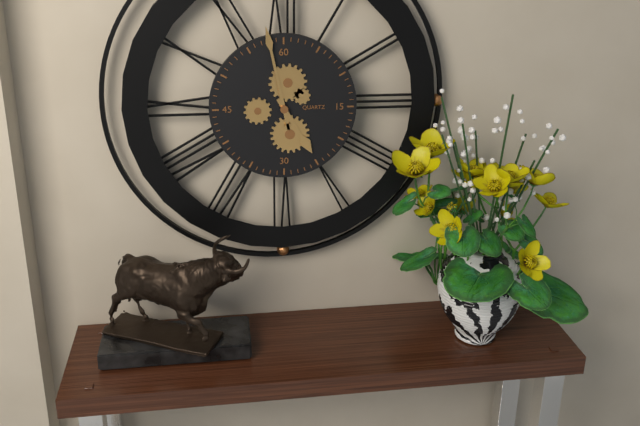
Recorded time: 4:58
